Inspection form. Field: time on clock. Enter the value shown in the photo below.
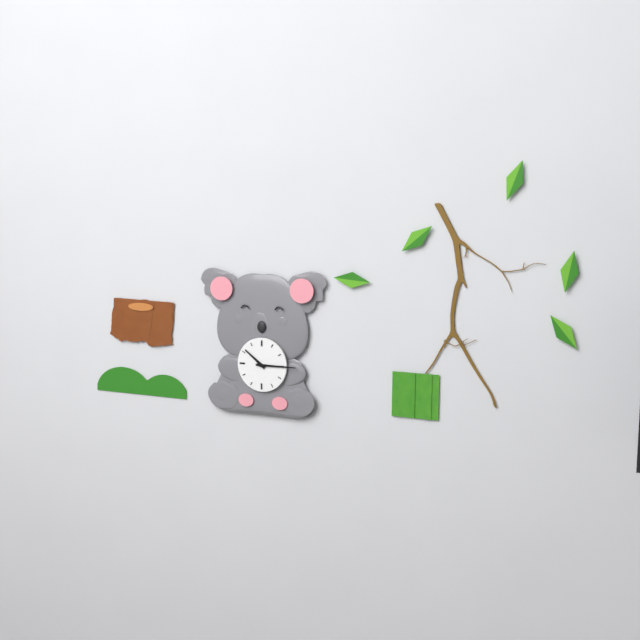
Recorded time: 10:15
